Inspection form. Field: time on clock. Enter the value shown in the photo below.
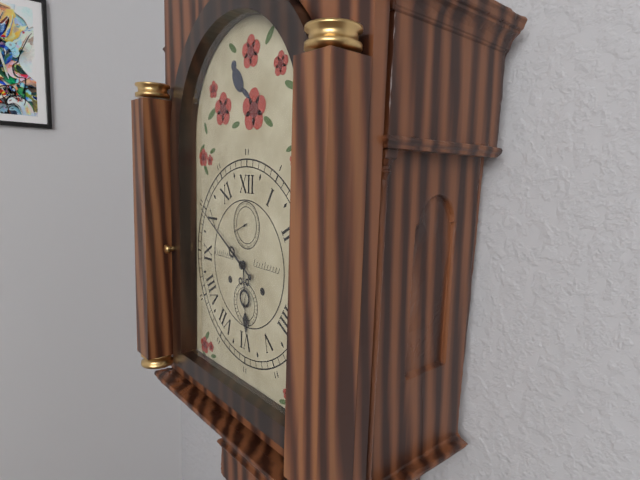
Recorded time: 5:50
